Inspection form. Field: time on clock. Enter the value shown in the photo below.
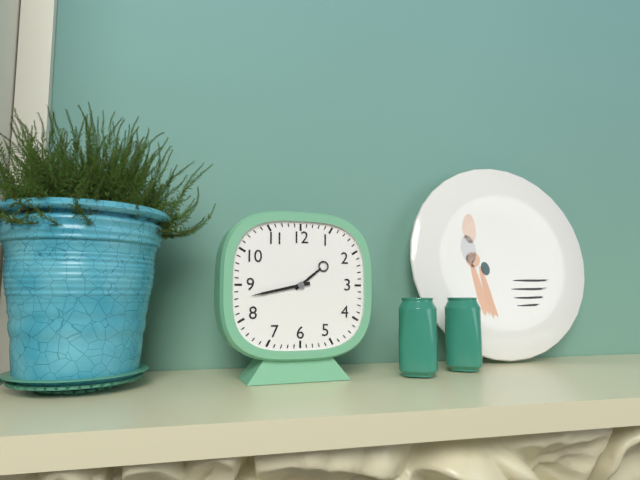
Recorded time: 1:43
